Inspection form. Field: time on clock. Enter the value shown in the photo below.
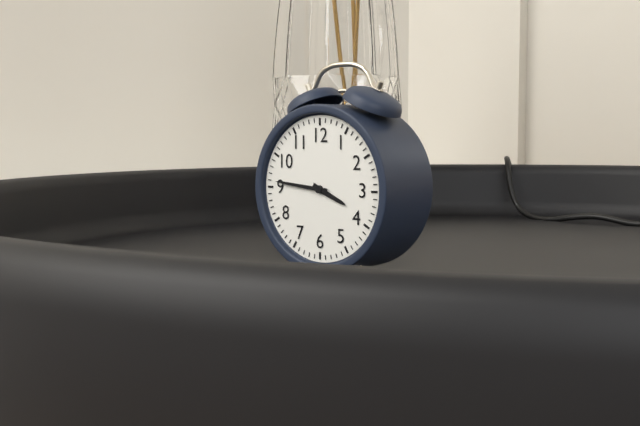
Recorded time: 3:46
